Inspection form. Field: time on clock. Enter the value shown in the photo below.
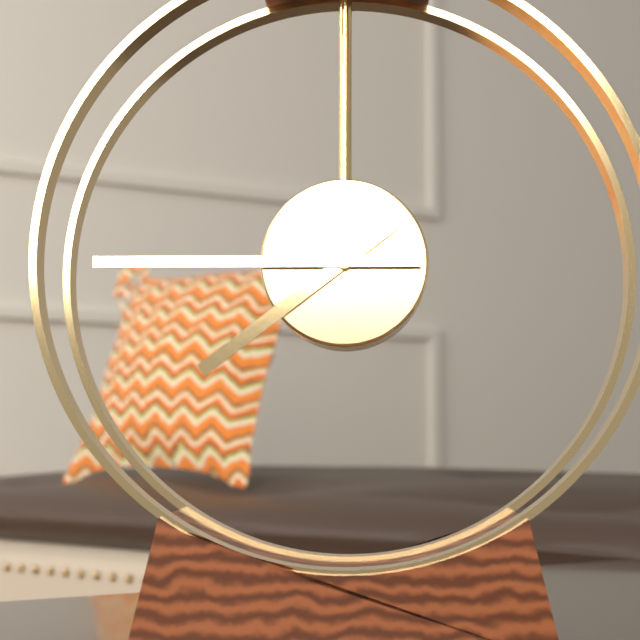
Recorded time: 7:45
